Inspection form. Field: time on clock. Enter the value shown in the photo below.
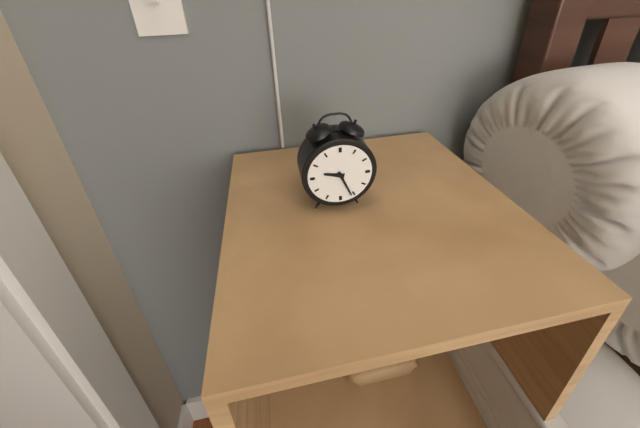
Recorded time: 9:26
